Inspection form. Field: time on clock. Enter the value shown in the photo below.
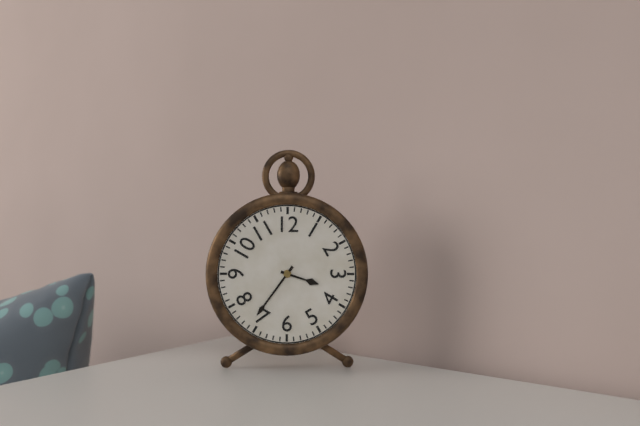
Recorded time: 3:36
